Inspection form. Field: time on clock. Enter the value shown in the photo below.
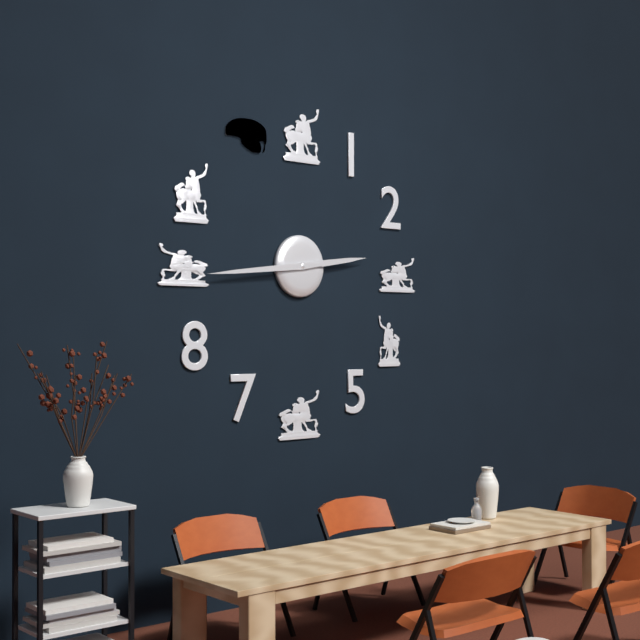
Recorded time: 2:44
